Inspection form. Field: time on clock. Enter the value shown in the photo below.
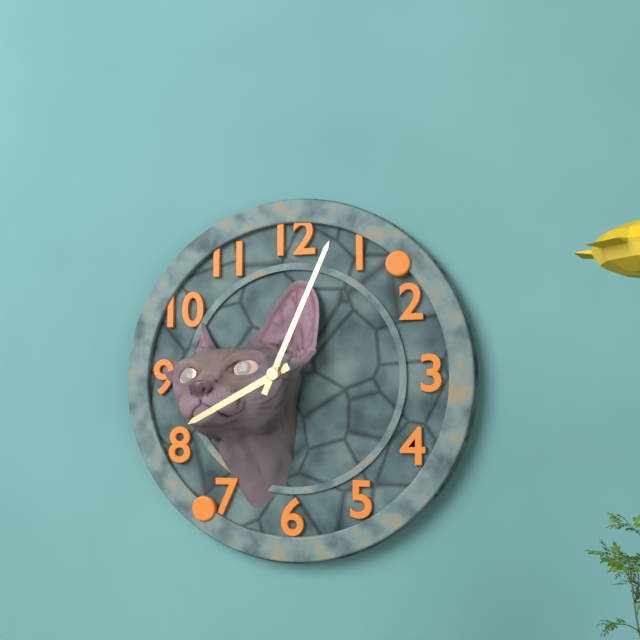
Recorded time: 8:04
